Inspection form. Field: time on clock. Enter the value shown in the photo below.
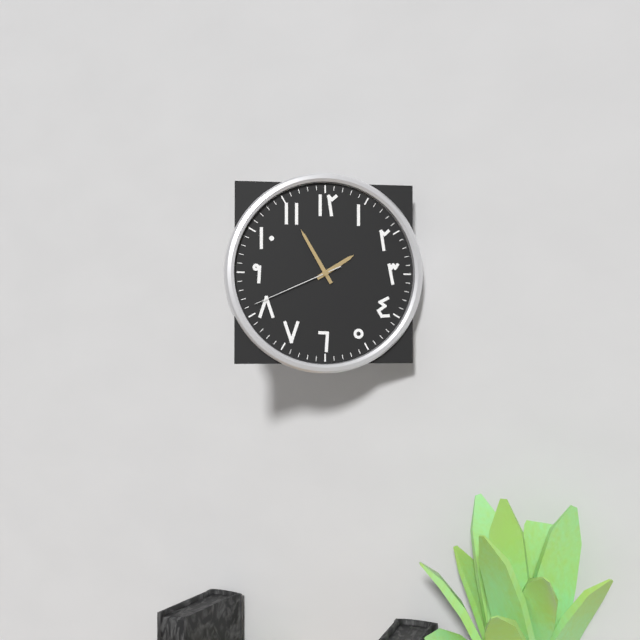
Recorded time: 1:55:41
